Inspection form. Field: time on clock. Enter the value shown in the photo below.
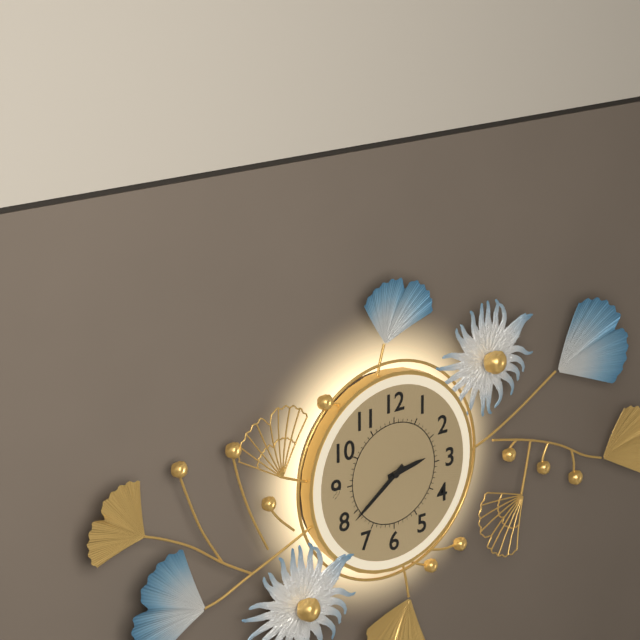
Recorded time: 2:39
